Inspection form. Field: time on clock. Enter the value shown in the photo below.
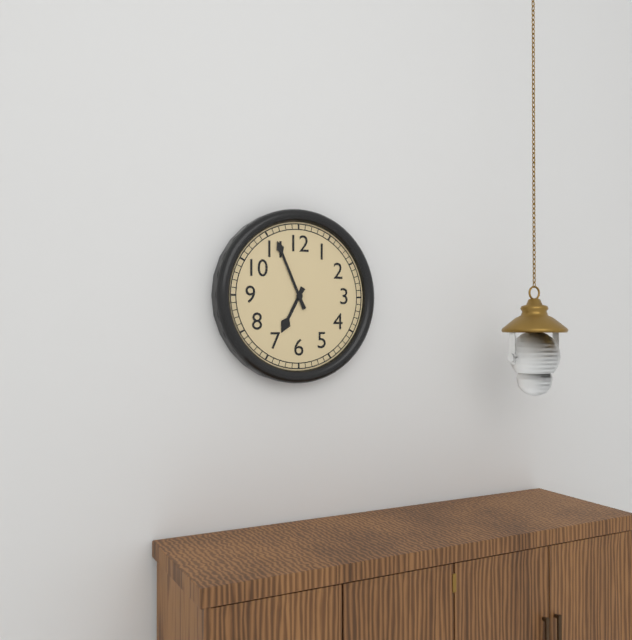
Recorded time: 6:56
